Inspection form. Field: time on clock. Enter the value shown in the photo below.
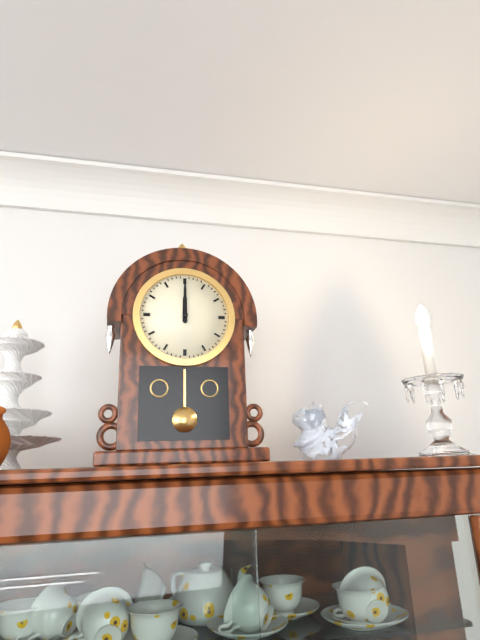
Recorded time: 12:00
